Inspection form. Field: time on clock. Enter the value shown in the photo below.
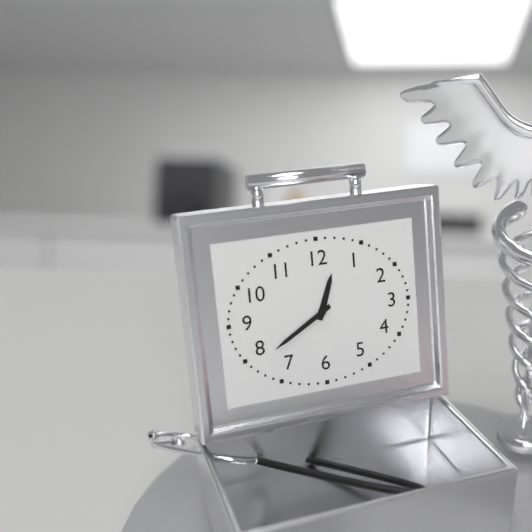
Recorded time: 12:40
